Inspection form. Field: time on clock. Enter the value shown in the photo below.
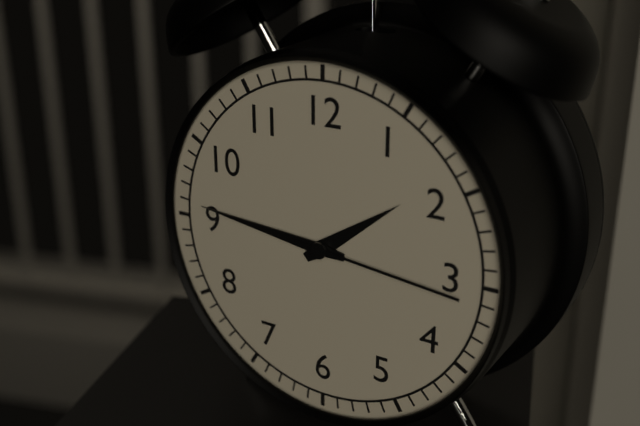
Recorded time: 1:46:16
